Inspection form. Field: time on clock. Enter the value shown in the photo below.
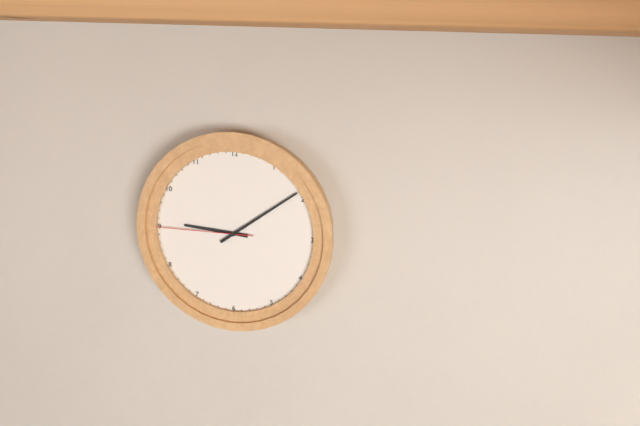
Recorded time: 9:09:45
